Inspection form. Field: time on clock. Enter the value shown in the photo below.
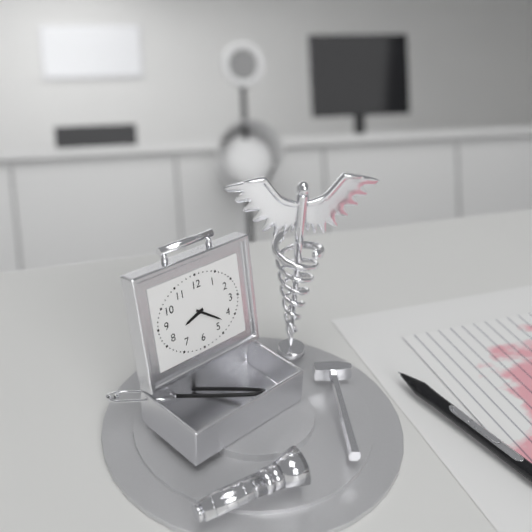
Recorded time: 8:21
